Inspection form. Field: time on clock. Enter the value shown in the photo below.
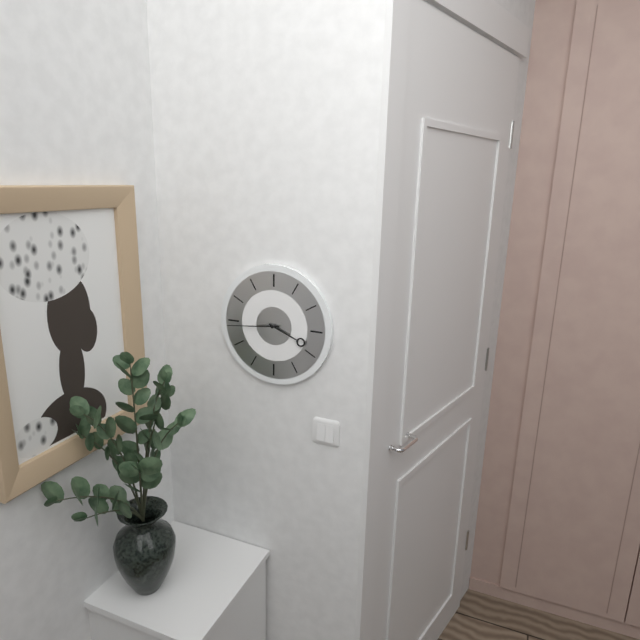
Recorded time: 3:44
